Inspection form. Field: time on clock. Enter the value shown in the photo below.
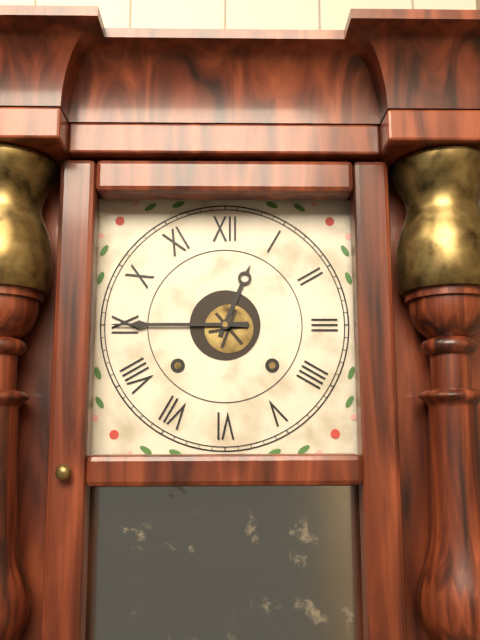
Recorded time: 12:45
